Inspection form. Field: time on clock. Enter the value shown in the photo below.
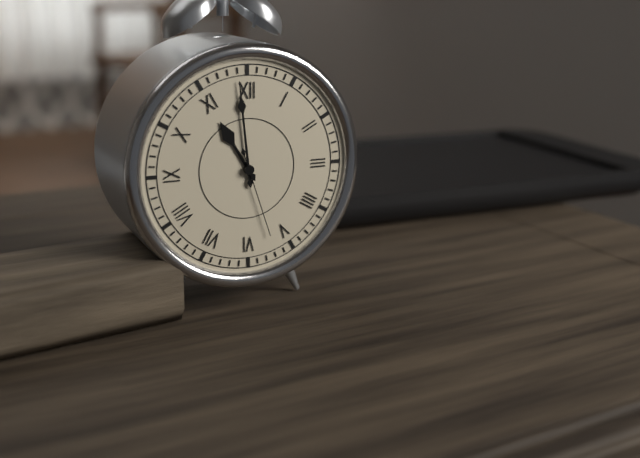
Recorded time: 10:59:27
